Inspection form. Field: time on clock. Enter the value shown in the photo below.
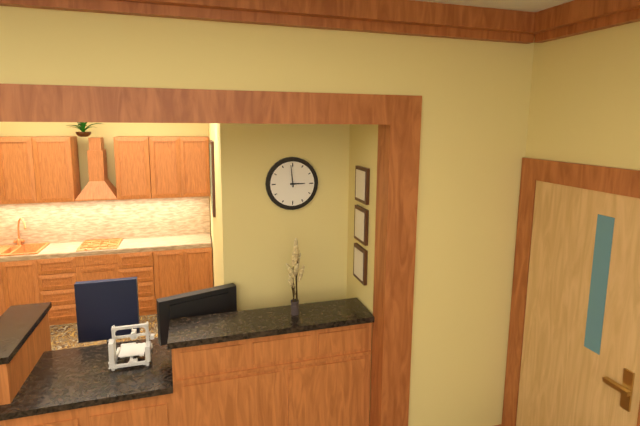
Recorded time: 2:59
